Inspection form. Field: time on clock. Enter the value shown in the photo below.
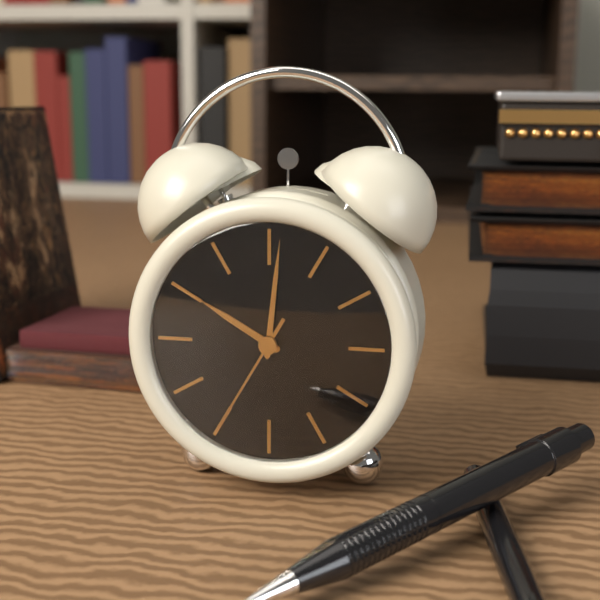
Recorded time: 10:01:35
